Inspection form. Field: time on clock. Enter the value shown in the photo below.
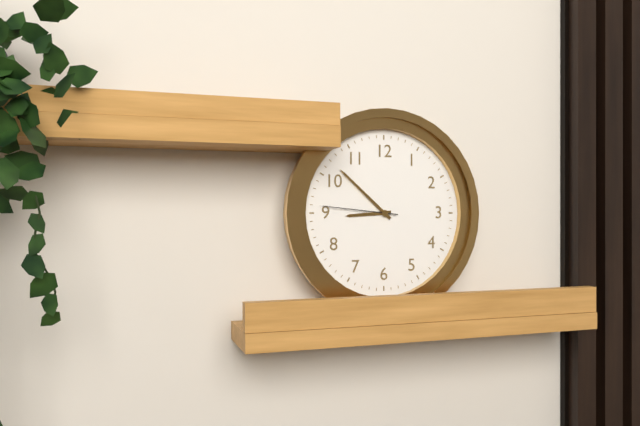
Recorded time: 8:52:46
